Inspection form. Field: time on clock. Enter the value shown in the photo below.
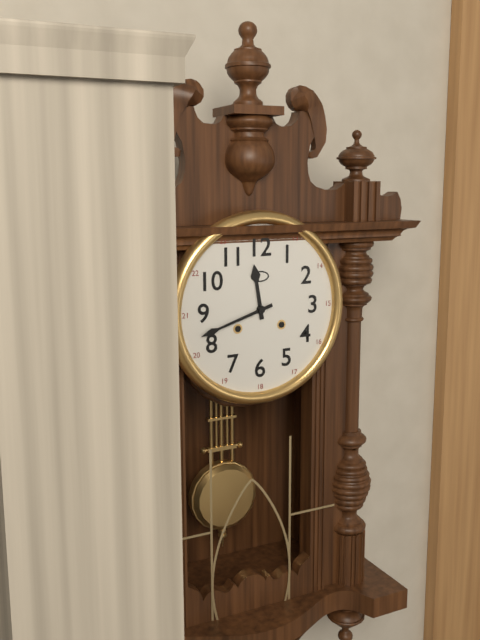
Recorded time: 11:42
